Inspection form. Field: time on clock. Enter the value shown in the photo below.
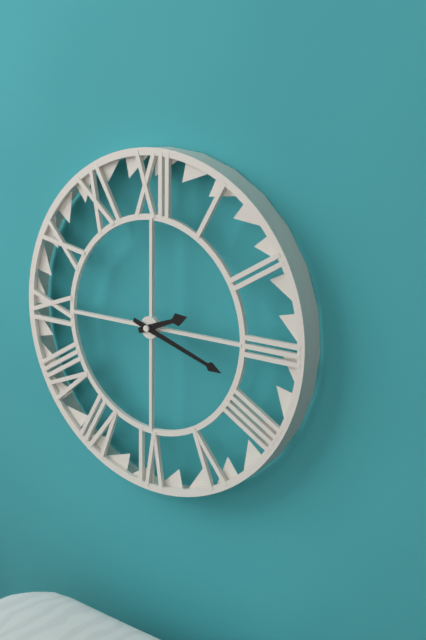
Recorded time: 2:18
